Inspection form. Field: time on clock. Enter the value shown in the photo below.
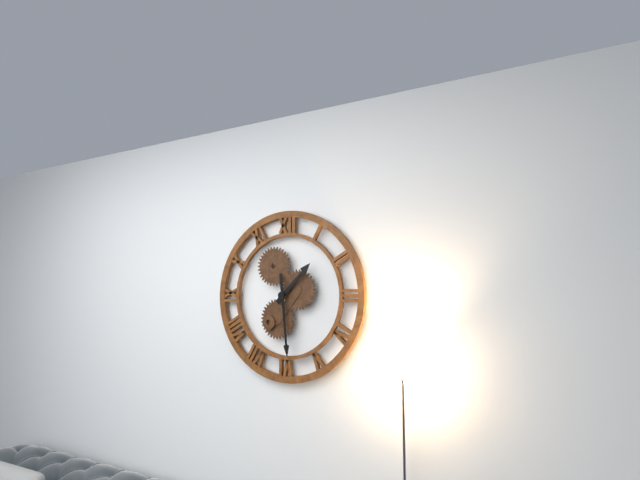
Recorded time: 1:29
